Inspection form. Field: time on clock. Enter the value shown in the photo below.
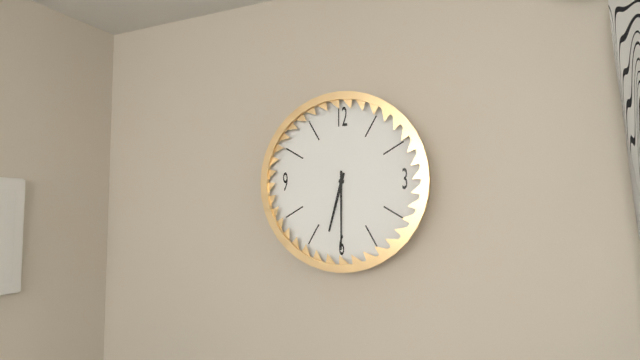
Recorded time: 6:30
